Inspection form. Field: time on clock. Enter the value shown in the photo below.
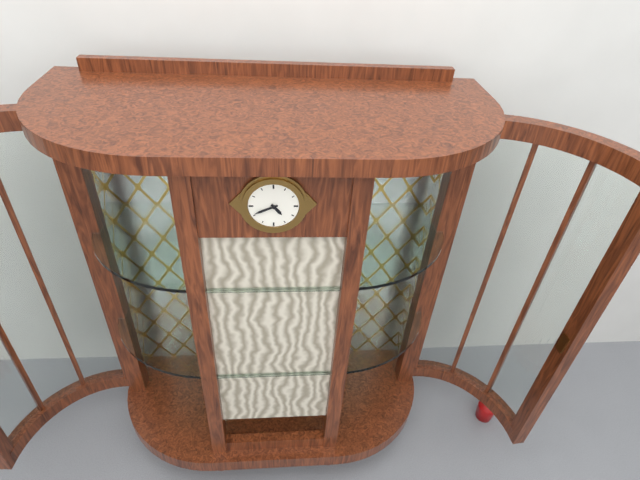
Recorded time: 4:41
